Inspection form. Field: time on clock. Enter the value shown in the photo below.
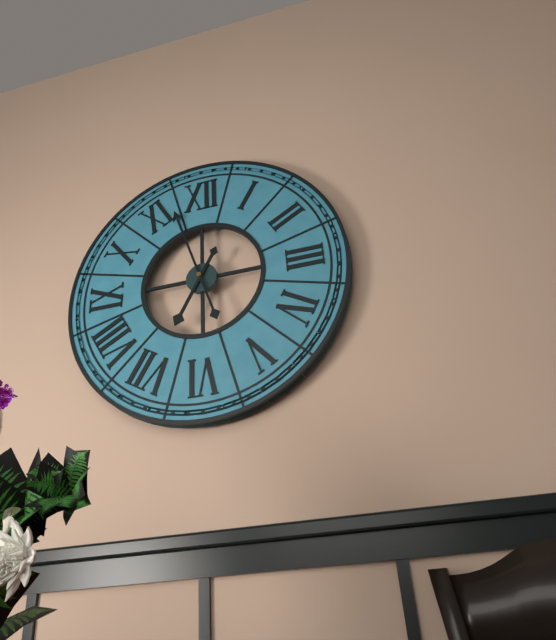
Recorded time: 6:57
